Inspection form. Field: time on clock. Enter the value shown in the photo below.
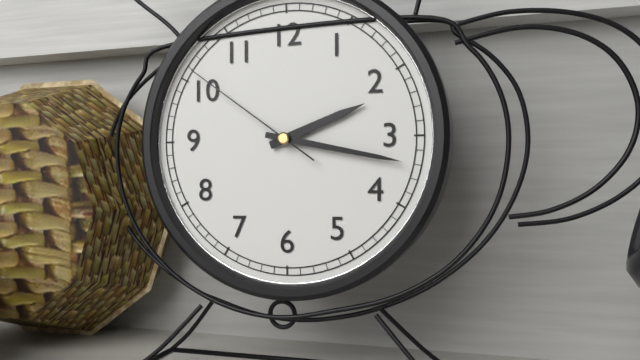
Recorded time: 2:17:51
